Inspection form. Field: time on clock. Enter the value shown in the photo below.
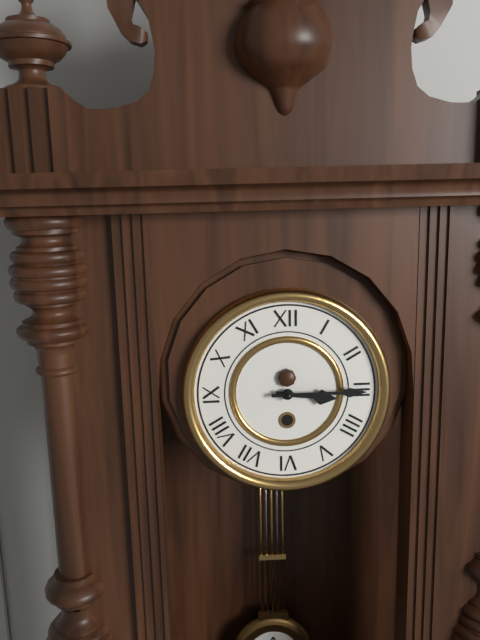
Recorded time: 3:15
